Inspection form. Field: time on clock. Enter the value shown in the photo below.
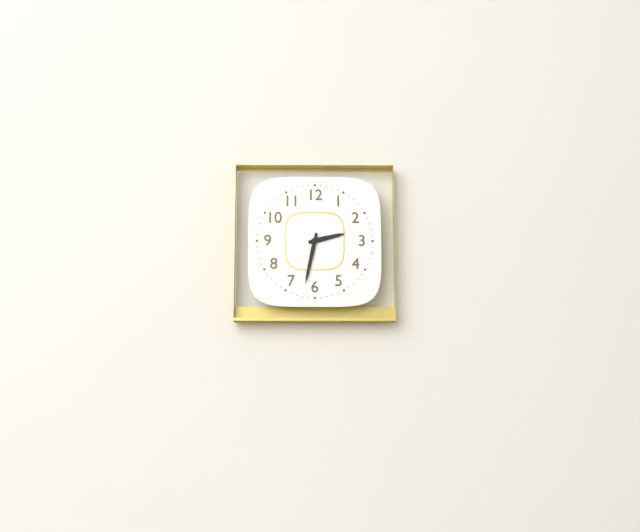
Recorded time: 2:32
